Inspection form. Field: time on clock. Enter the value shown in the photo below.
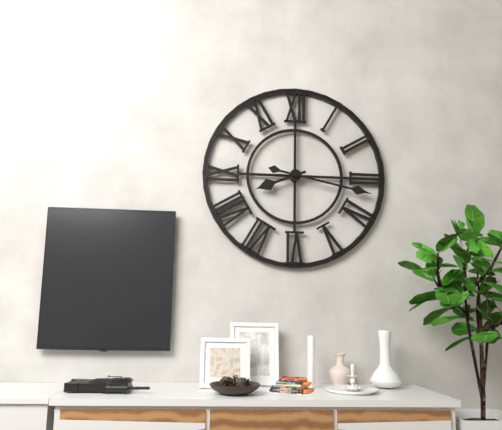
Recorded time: 8:17
